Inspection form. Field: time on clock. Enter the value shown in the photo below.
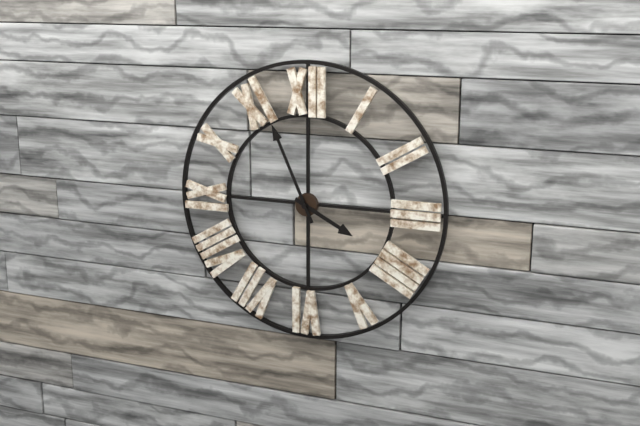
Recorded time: 3:56
